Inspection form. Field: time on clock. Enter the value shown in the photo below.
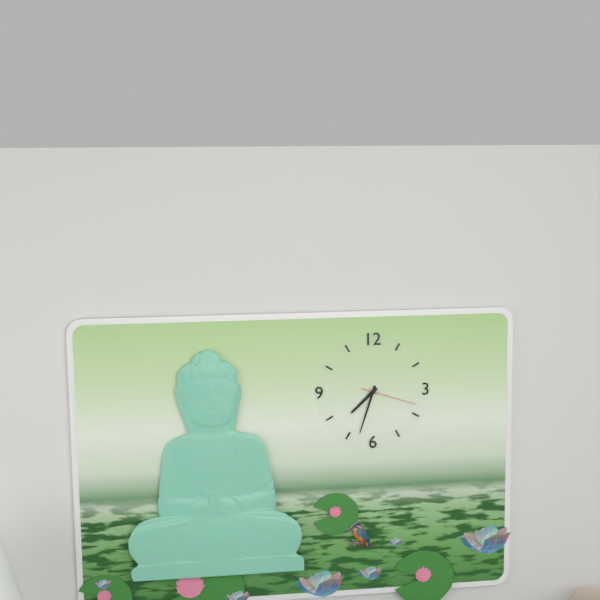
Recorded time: 7:33:18
